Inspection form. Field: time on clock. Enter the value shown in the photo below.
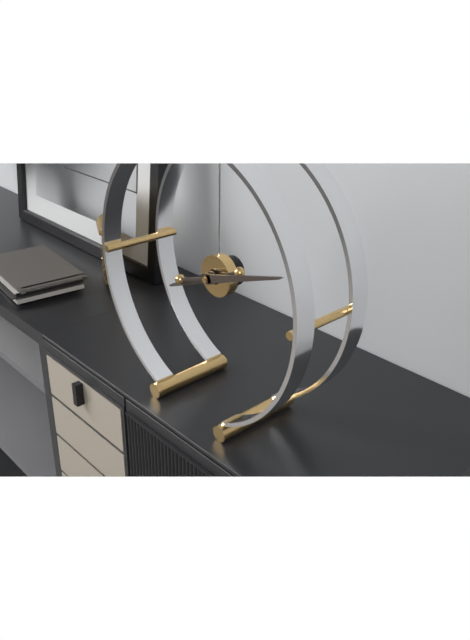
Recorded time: 8:12
